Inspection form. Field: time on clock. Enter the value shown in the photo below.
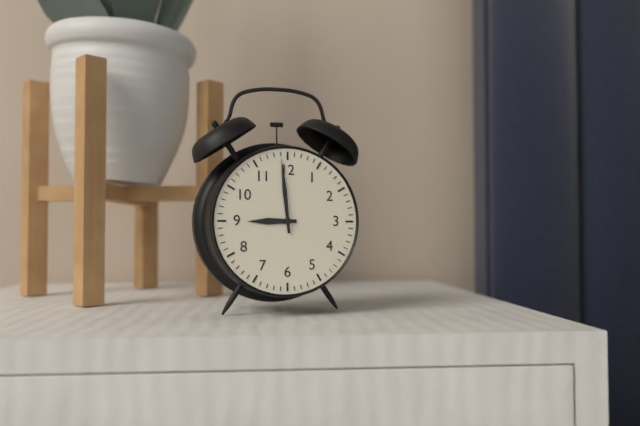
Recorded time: 8:59
